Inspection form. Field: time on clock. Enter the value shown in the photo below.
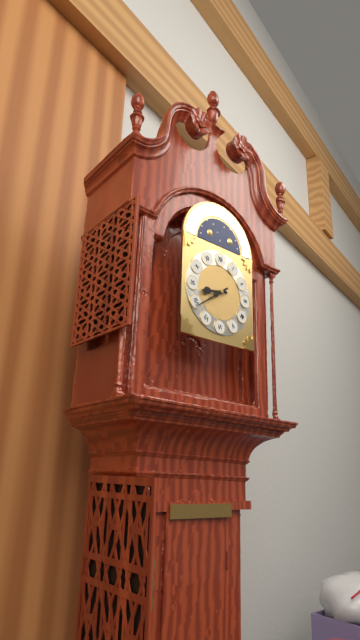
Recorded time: 8:39
